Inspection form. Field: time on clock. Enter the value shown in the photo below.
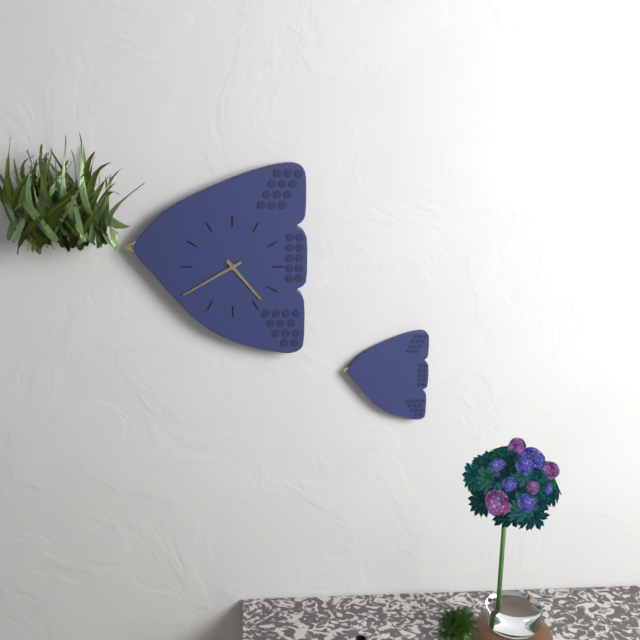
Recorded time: 4:40
